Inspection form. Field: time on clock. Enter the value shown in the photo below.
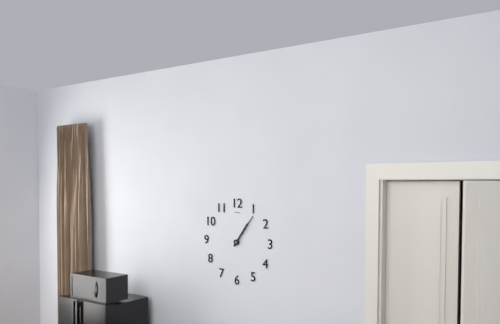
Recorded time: 1:06
